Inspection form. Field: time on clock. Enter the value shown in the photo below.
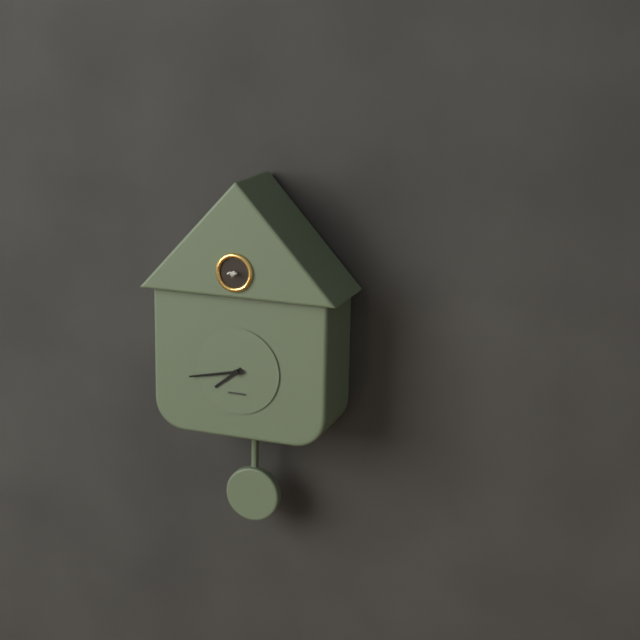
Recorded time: 7:43
